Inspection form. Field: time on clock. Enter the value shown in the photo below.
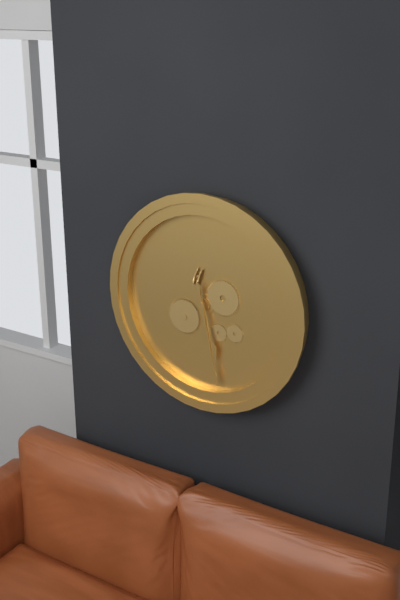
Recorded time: 5:28
